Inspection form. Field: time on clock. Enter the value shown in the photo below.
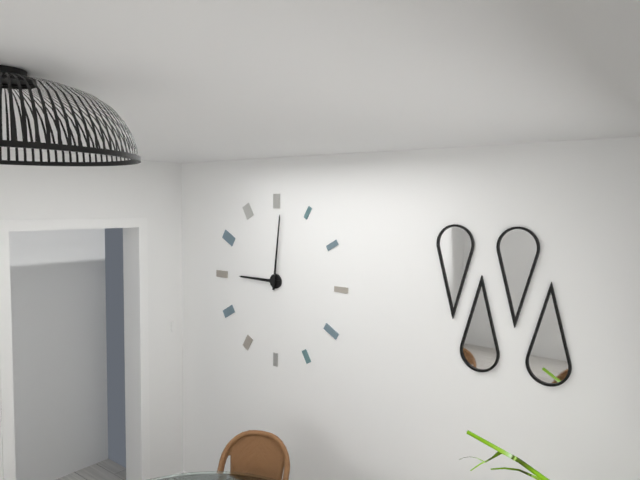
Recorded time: 9:01
